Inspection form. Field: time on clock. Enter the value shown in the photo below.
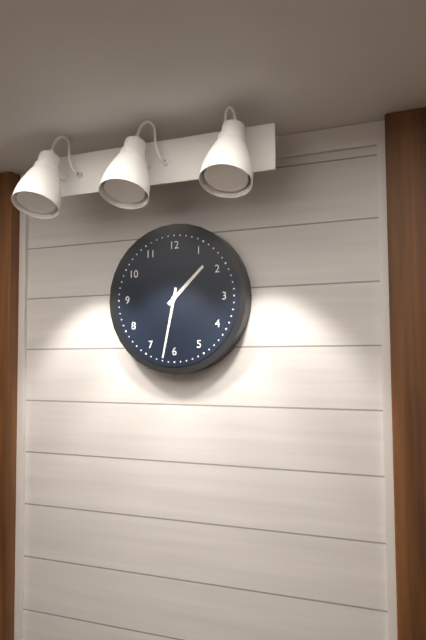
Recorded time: 1:32
